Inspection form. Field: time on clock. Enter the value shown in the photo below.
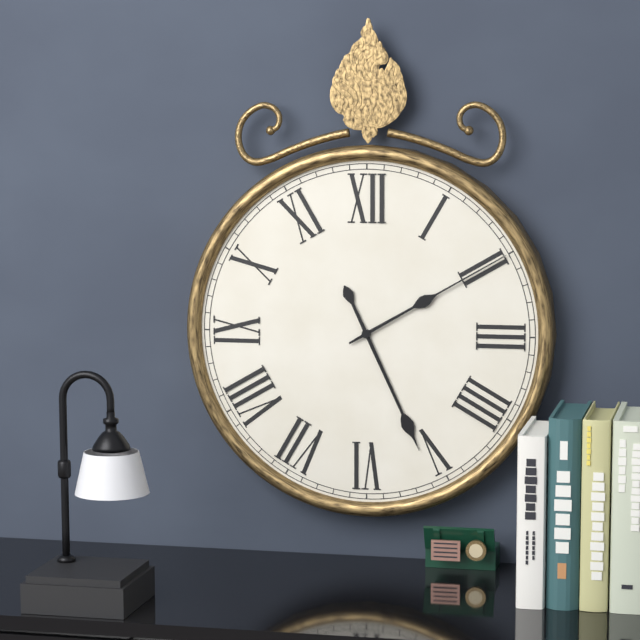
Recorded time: 5:10
